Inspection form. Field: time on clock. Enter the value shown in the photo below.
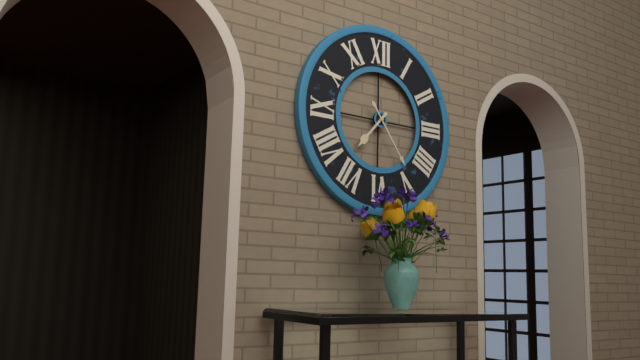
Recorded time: 7:24
